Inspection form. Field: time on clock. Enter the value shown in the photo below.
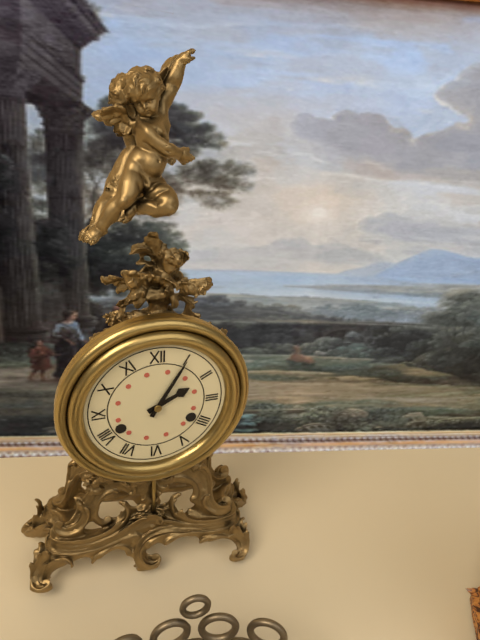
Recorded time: 2:05
